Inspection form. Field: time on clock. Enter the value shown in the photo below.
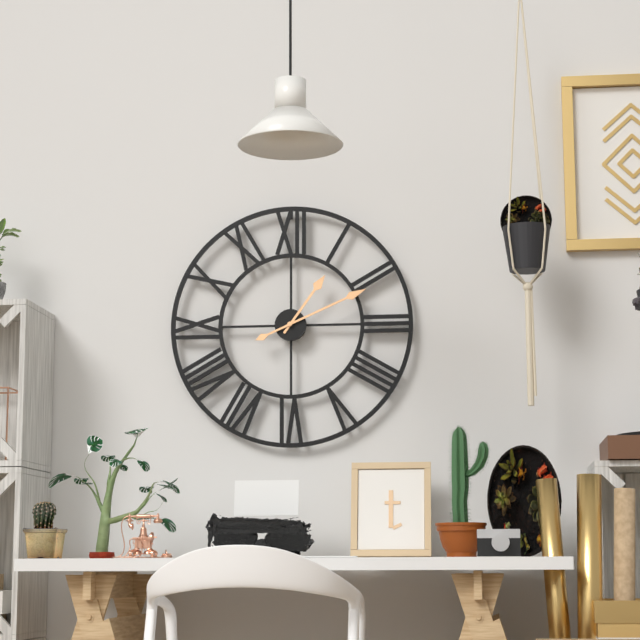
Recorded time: 1:11
